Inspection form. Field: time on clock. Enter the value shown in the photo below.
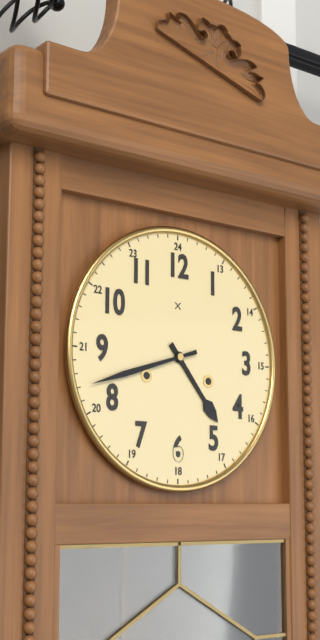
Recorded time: 4:42
